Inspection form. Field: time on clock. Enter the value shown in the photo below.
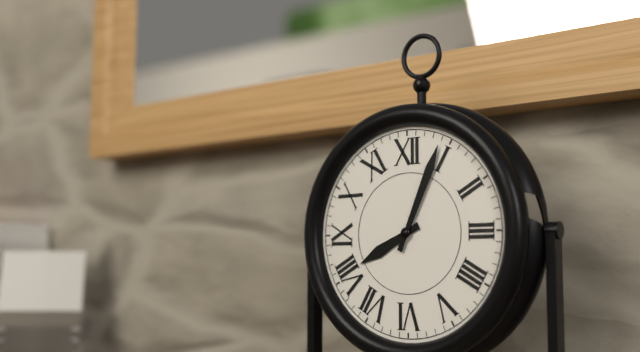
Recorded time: 8:04
